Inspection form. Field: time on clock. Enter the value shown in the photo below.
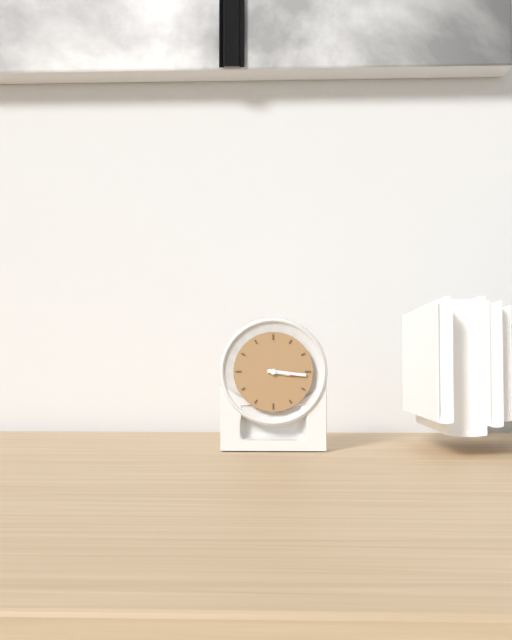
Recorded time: 3:16
